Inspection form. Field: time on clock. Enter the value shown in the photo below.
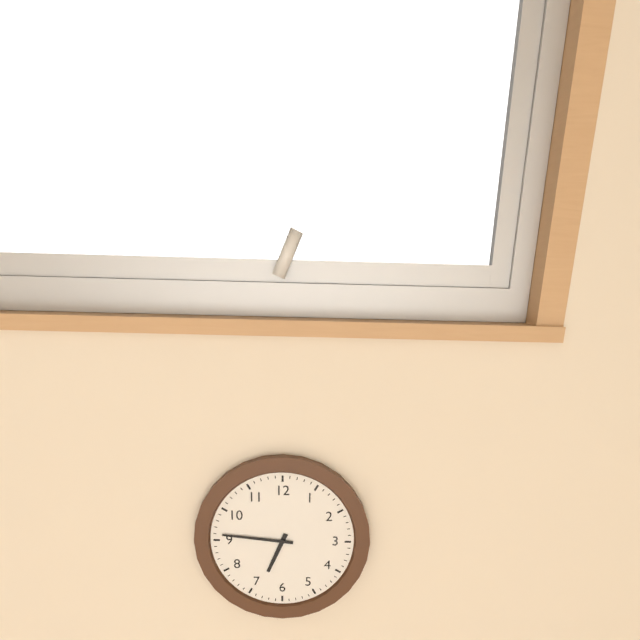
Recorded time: 6:46
